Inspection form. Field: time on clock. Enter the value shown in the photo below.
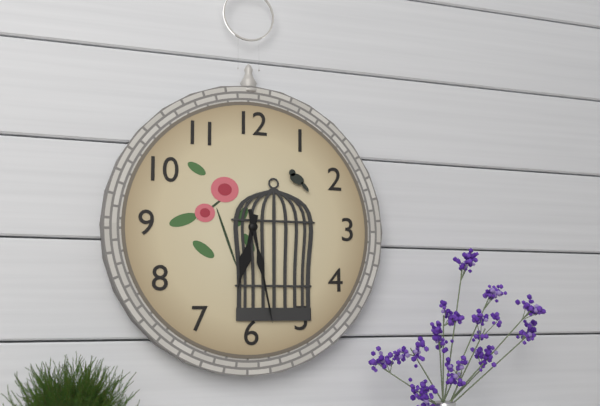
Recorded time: 6:28
